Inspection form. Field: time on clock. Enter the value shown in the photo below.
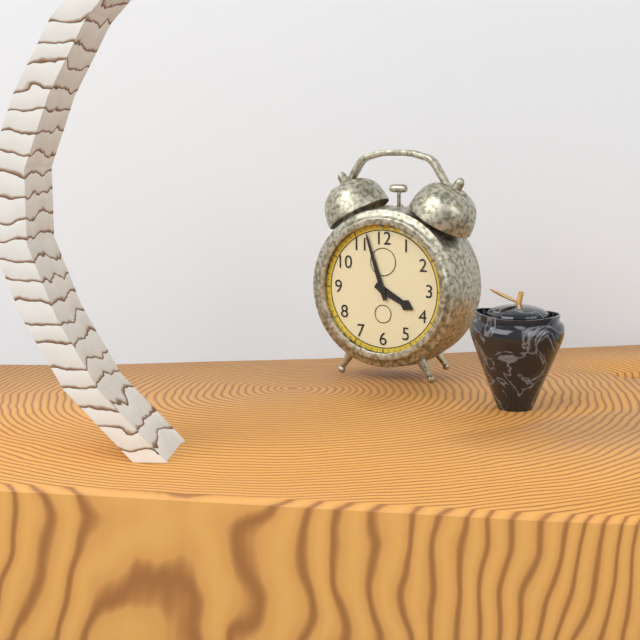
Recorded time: 3:57
